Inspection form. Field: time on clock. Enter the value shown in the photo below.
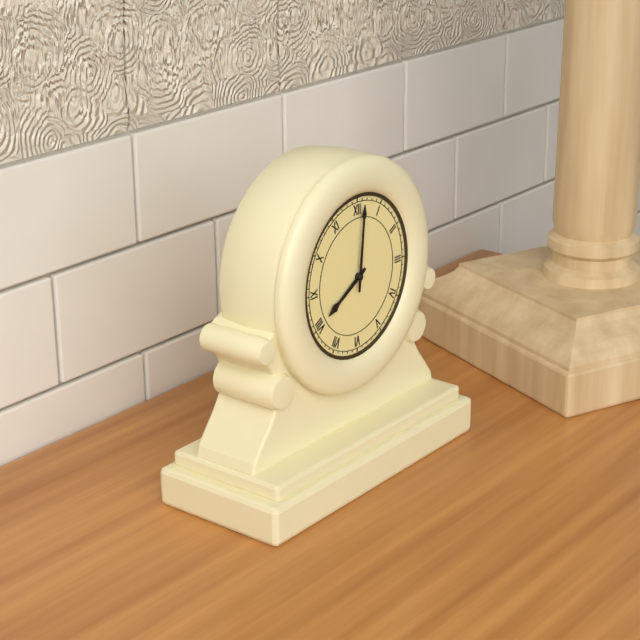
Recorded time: 8:01
